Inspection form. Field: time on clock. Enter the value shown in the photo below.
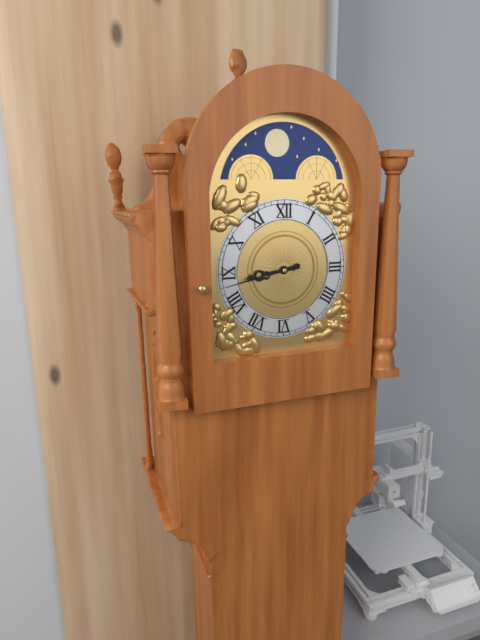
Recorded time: 8:43
